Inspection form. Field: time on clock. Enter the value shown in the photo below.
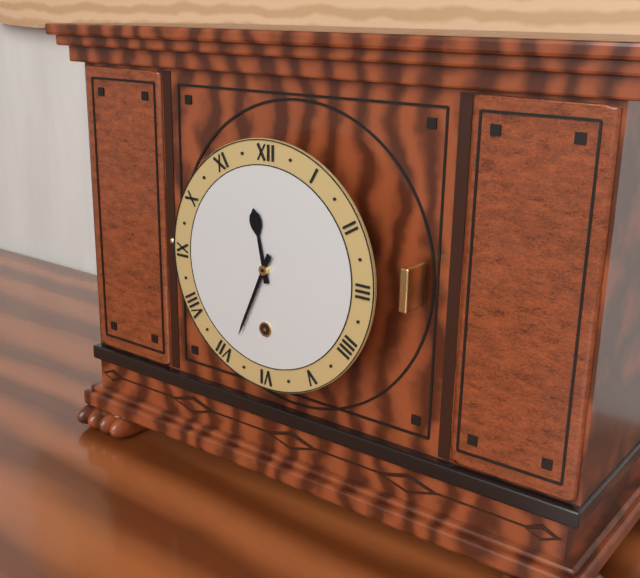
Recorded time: 11:34
